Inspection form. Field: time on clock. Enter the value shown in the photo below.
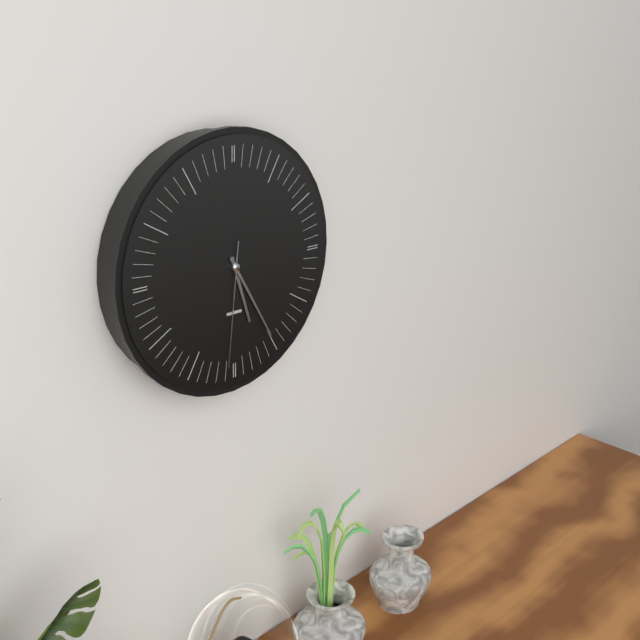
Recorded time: 5:25:31
